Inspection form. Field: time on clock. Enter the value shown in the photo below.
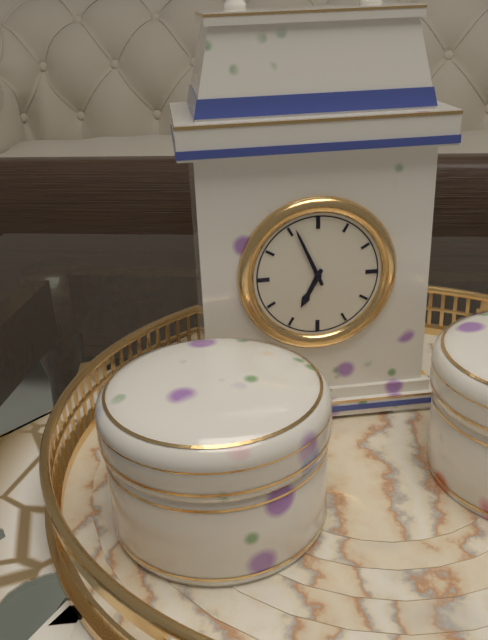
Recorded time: 6:56
